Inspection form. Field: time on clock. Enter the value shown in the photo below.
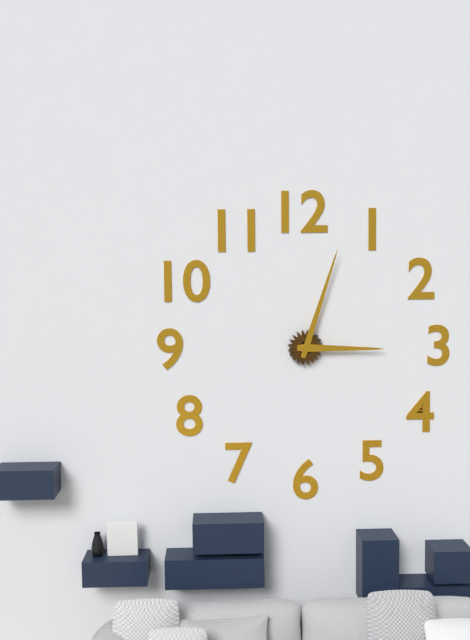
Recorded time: 3:03
